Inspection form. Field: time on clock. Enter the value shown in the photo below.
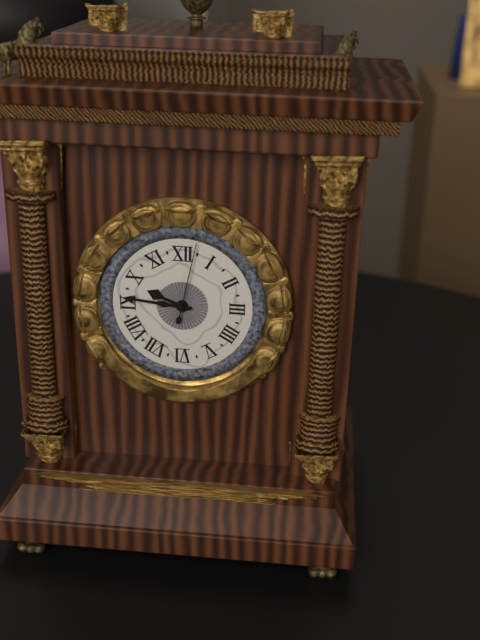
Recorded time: 9:46:02
